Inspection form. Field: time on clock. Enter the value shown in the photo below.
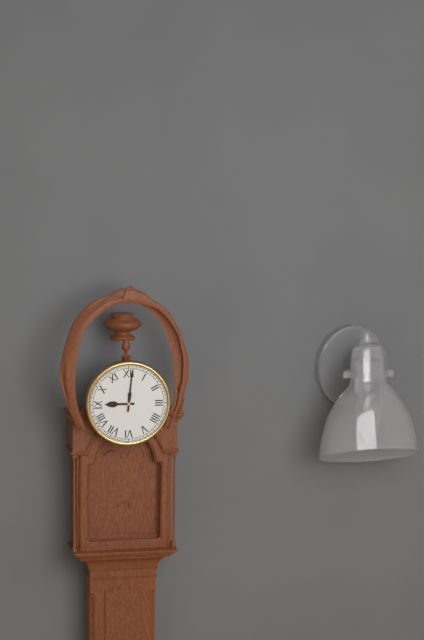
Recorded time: 9:01
